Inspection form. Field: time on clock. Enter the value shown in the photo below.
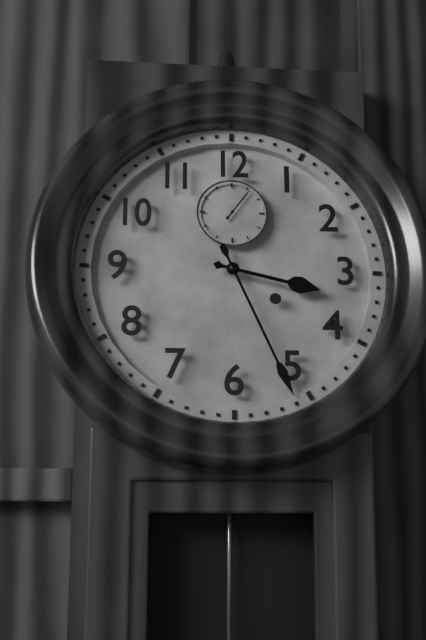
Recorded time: 3:26
